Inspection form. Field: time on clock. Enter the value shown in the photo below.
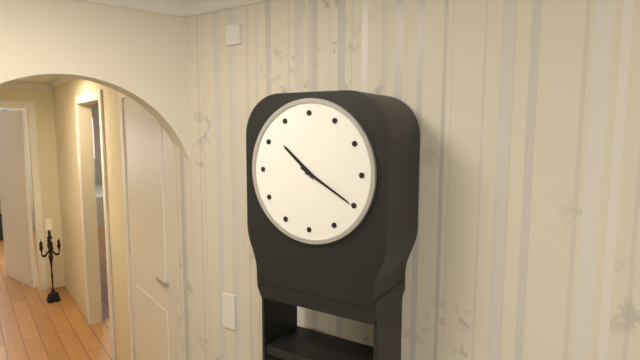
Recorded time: 10:20
